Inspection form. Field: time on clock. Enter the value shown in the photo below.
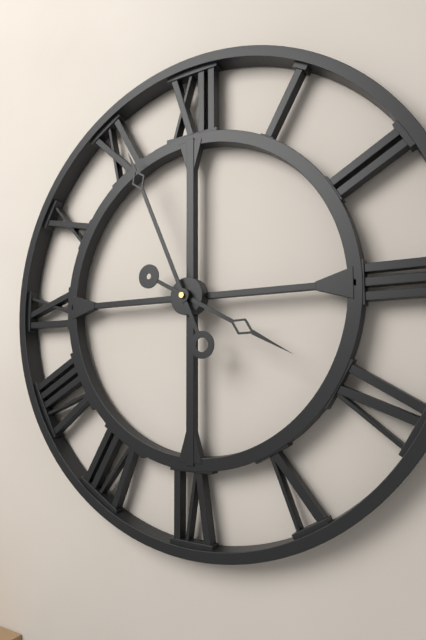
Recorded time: 3:56
